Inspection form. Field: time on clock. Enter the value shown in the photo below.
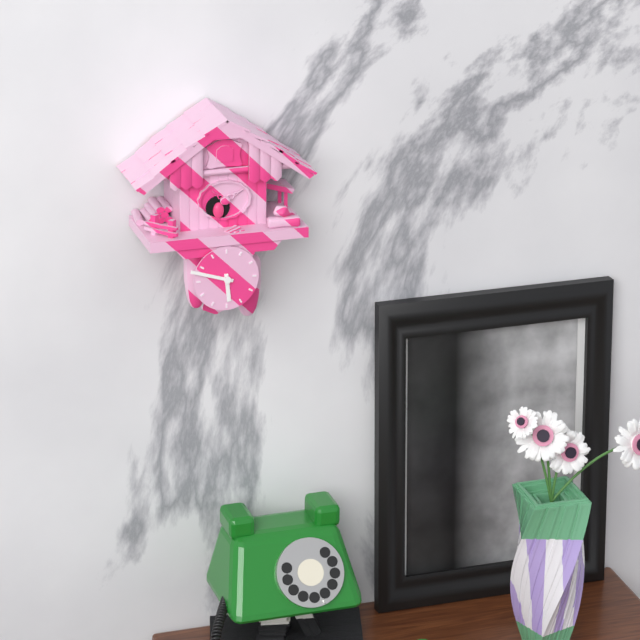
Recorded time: 5:48
